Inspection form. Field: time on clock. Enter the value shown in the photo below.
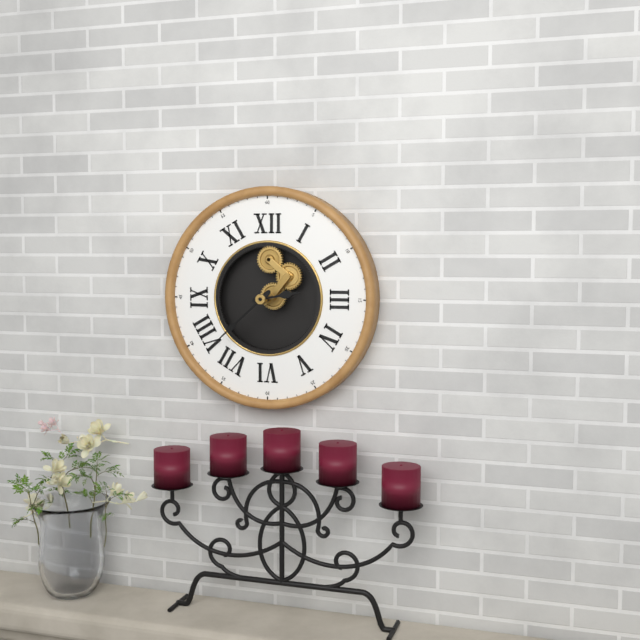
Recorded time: 2:38
